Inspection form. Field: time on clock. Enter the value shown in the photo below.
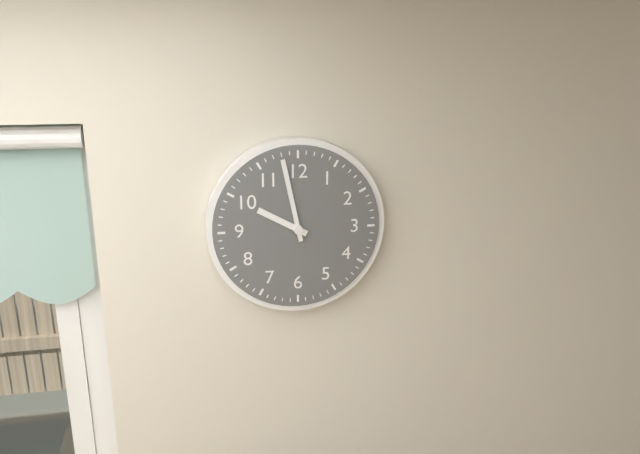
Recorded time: 9:58
